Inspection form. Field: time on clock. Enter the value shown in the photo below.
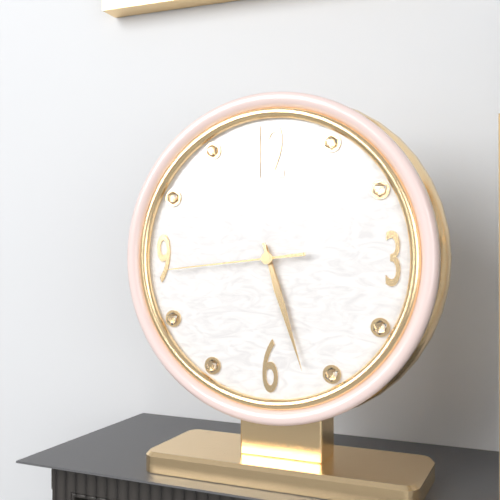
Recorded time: 5:27:44
